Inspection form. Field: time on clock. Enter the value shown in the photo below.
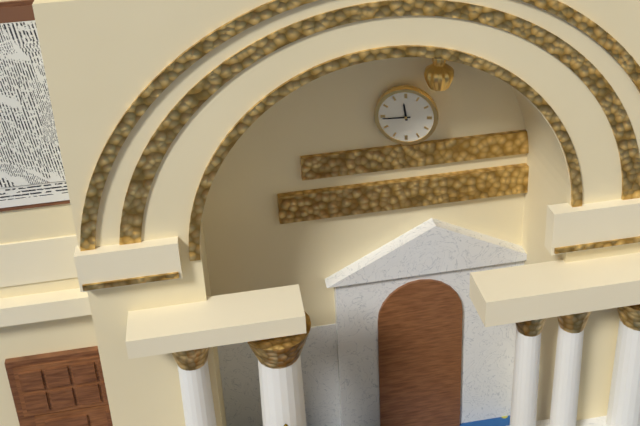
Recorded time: 11:44
